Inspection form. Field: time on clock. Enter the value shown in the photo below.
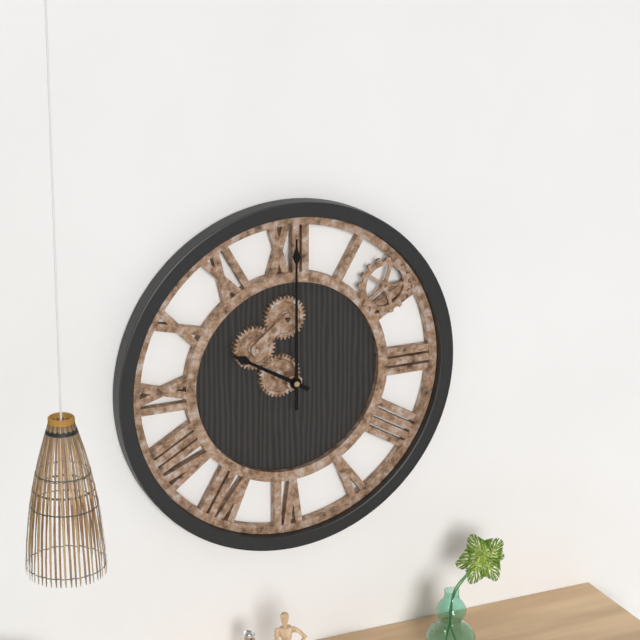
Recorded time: 10:00
